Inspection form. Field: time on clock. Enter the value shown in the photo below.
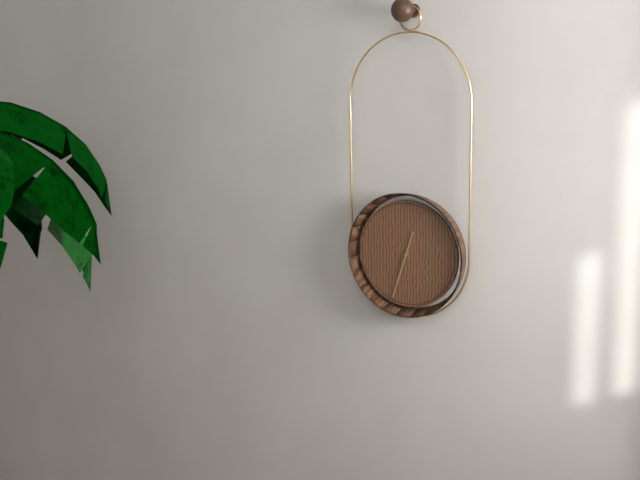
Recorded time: 12:33
